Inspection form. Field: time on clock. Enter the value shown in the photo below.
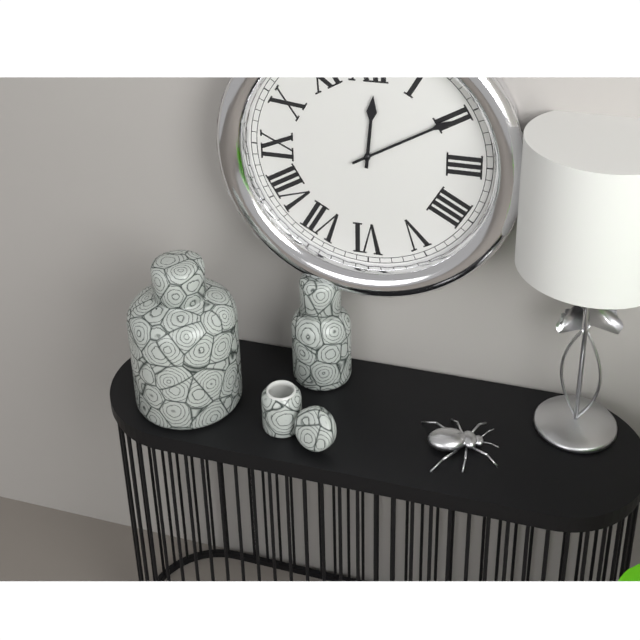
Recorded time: 12:10
